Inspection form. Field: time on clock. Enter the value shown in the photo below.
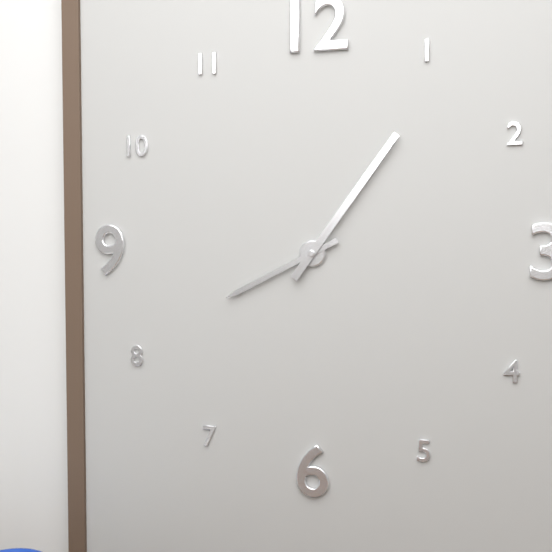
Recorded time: 8:06
